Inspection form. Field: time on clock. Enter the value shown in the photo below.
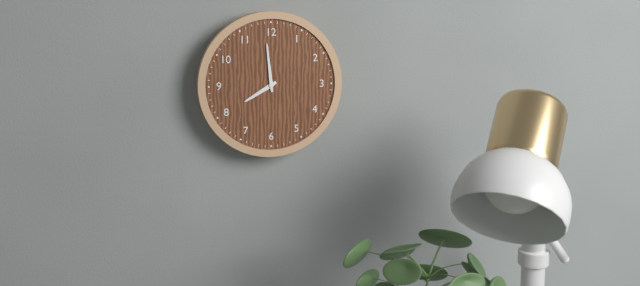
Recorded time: 7:59
